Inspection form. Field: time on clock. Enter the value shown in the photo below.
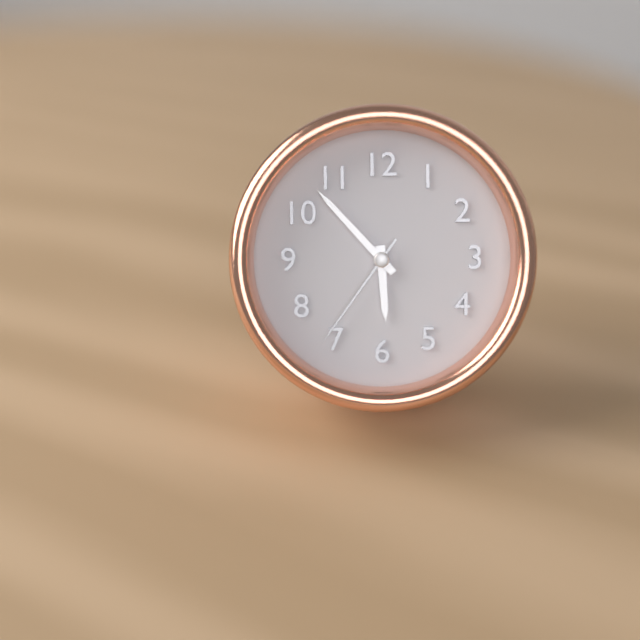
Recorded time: 5:53:36
